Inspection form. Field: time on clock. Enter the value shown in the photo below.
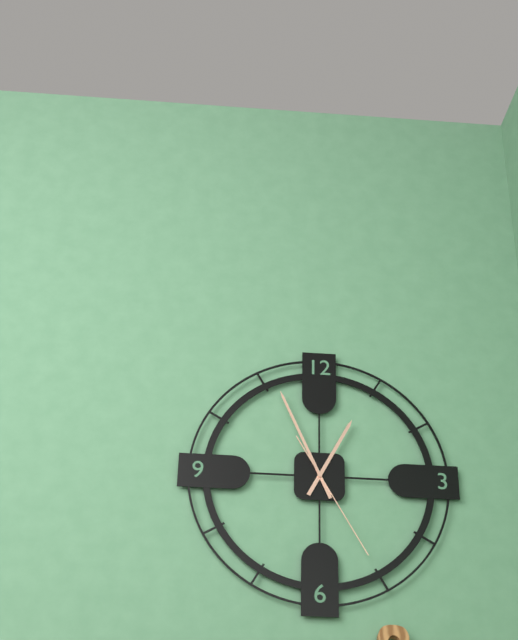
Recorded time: 12:56:25
